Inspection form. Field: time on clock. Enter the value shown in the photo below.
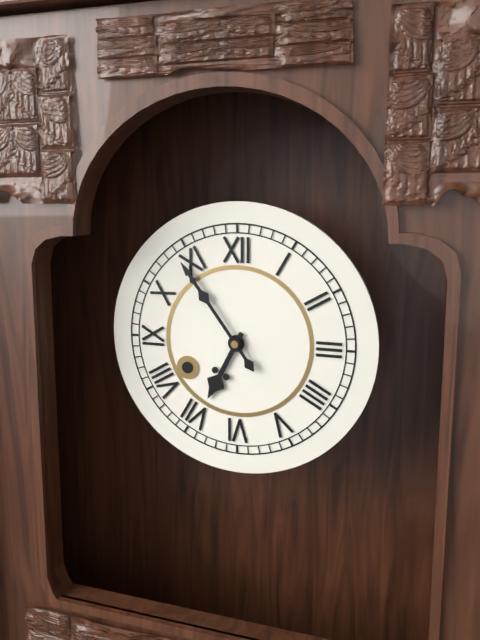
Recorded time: 6:54
